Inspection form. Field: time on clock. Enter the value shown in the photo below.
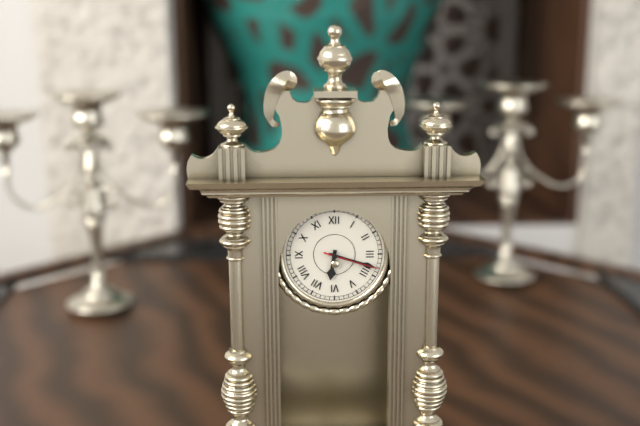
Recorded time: 6:18:18
